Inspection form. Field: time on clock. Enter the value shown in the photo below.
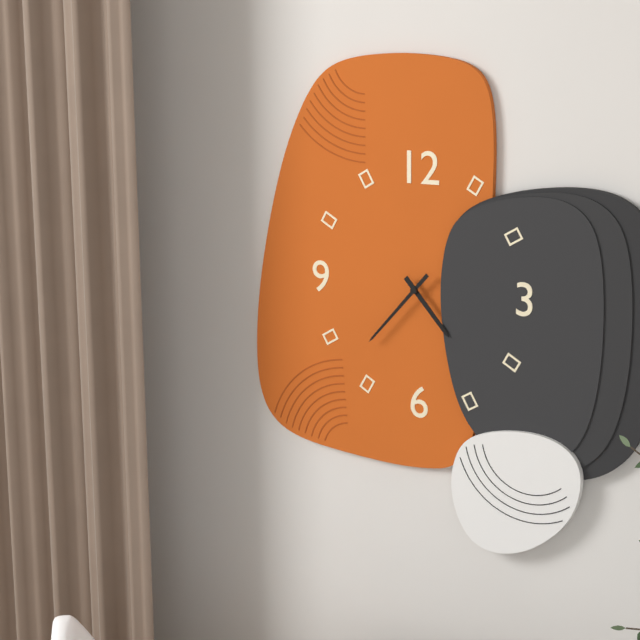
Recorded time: 4:37
